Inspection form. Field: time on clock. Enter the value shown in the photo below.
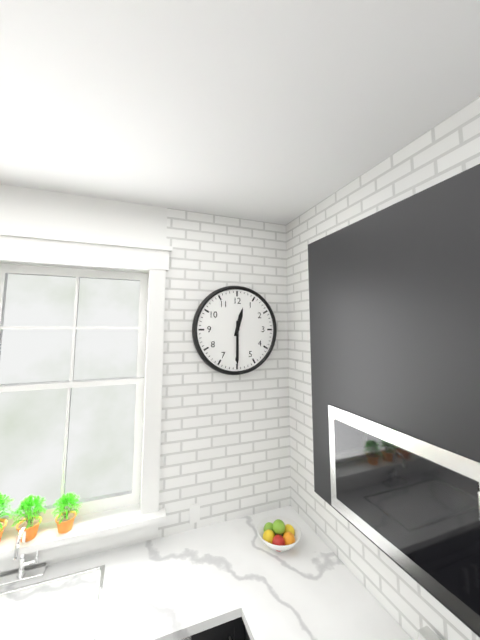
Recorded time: 12:30
